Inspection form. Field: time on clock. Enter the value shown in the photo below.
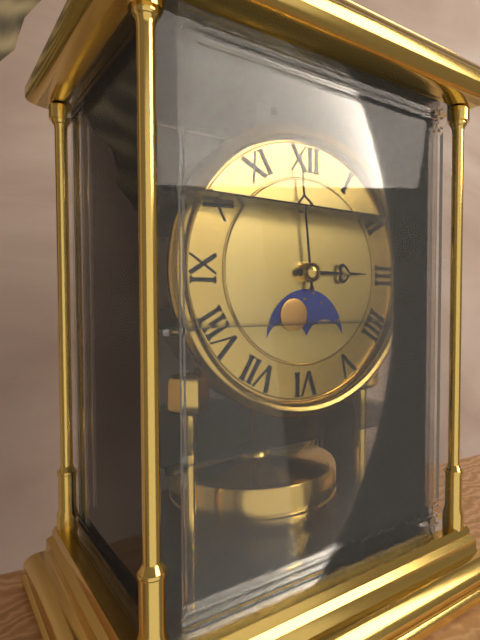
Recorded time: 2:59
